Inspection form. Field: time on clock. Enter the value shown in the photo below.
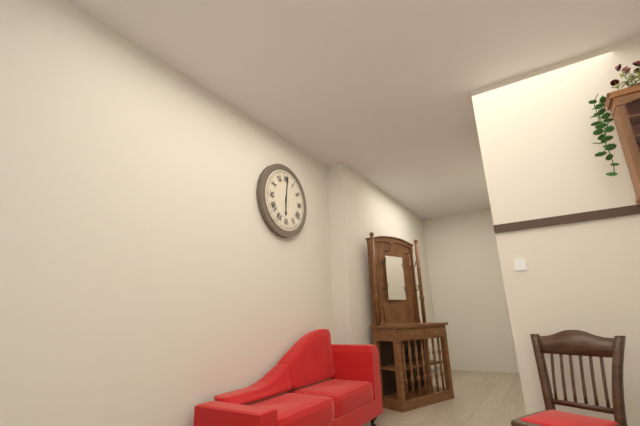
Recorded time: 6:01
